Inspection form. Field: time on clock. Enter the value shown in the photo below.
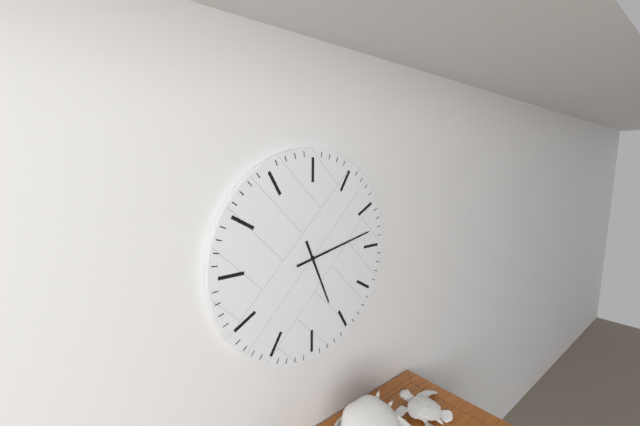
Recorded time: 5:13
